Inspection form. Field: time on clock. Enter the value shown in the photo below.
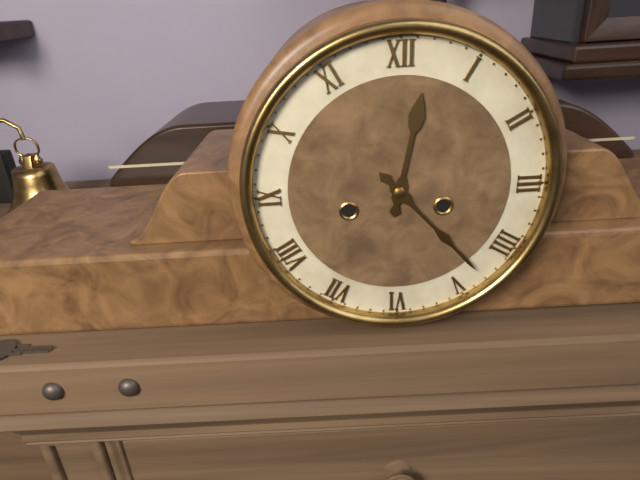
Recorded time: 12:23
